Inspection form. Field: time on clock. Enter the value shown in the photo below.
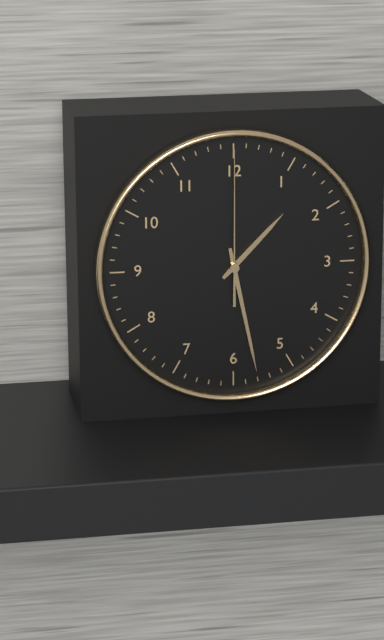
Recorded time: 1:28:00
